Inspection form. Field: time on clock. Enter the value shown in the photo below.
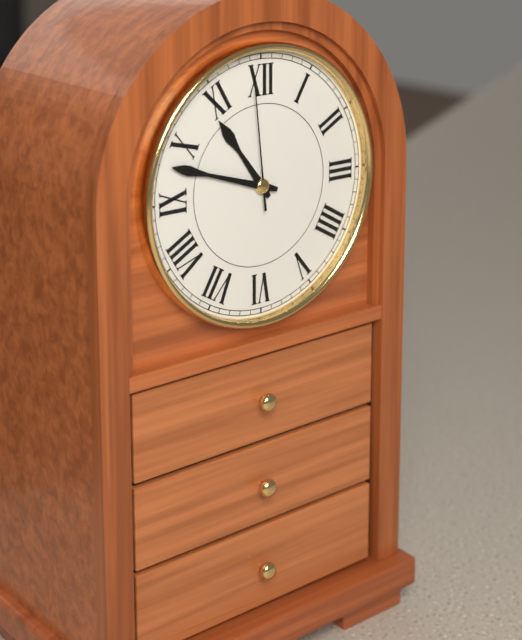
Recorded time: 10:48:59
